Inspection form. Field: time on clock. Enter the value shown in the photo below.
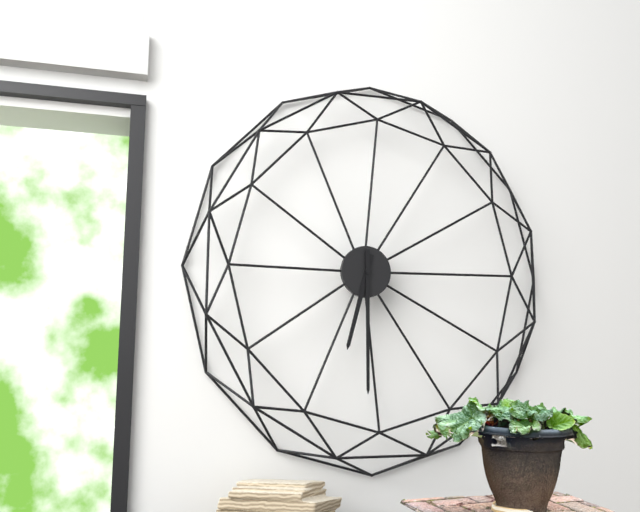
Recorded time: 6:30
